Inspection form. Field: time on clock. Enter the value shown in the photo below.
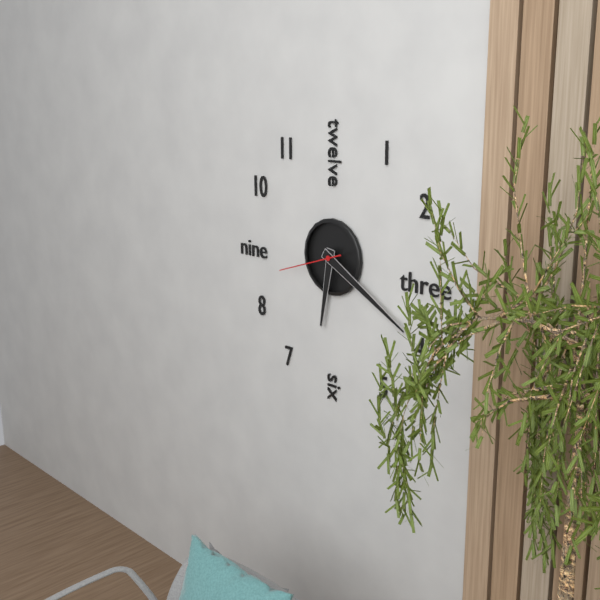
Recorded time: 6:20:42
